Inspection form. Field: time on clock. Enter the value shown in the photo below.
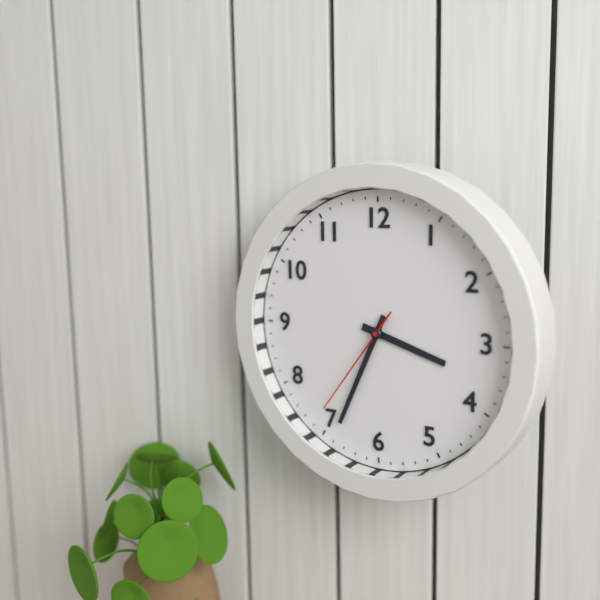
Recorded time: 3:34:36
